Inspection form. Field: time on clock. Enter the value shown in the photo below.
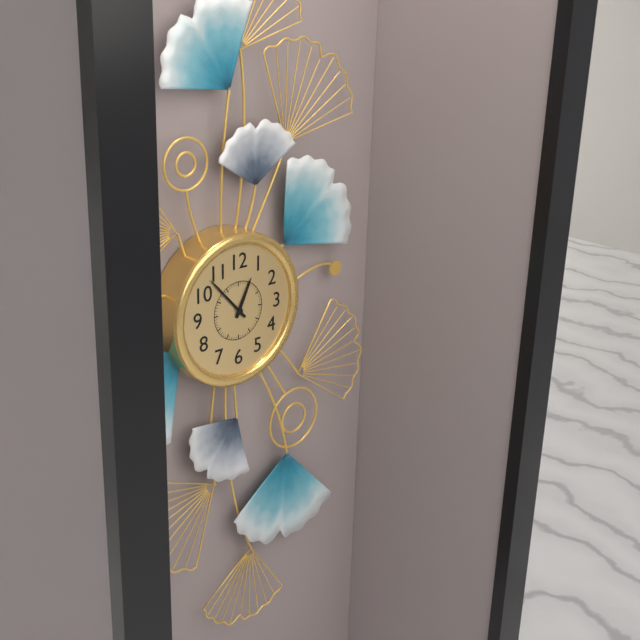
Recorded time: 12:53
